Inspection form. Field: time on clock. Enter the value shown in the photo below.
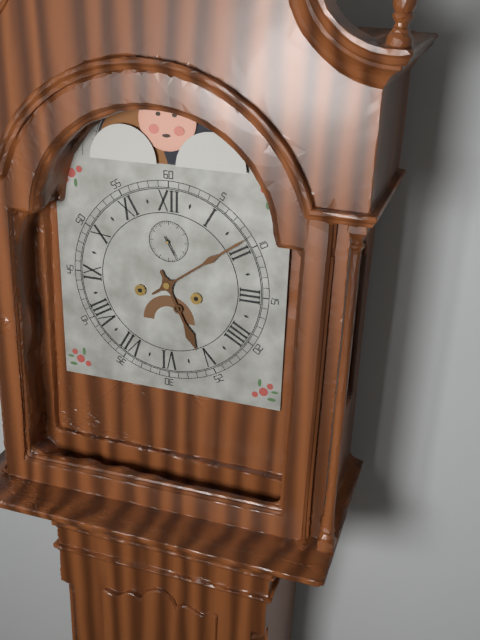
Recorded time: 5:09
